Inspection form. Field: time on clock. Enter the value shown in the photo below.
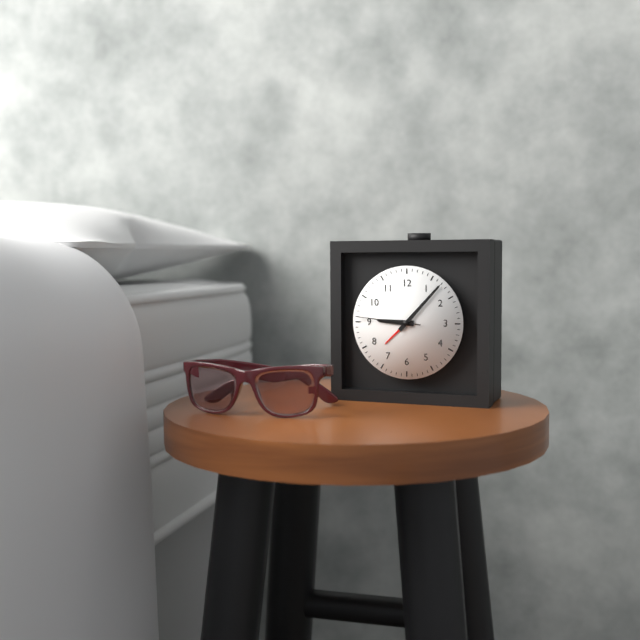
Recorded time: 9:07:46
